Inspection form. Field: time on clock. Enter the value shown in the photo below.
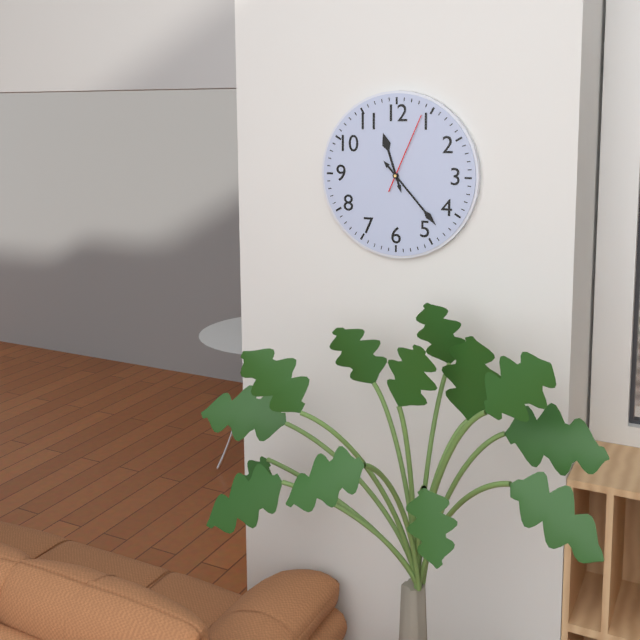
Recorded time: 11:23:04
